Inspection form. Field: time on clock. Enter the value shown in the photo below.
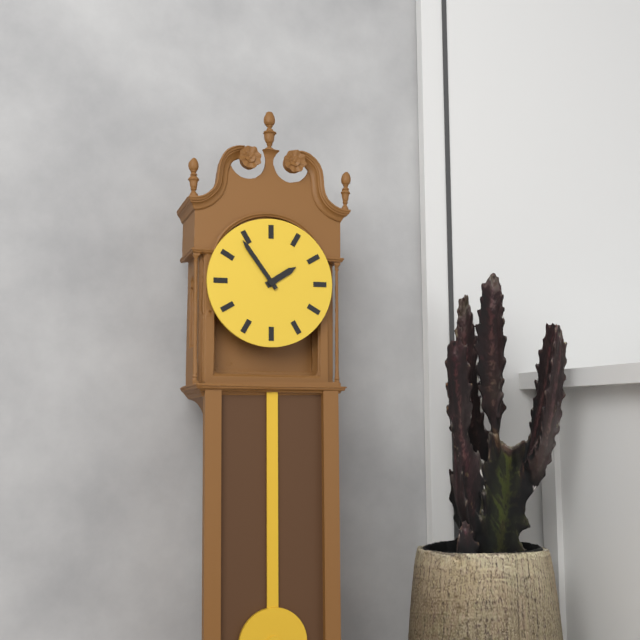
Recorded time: 1:54
